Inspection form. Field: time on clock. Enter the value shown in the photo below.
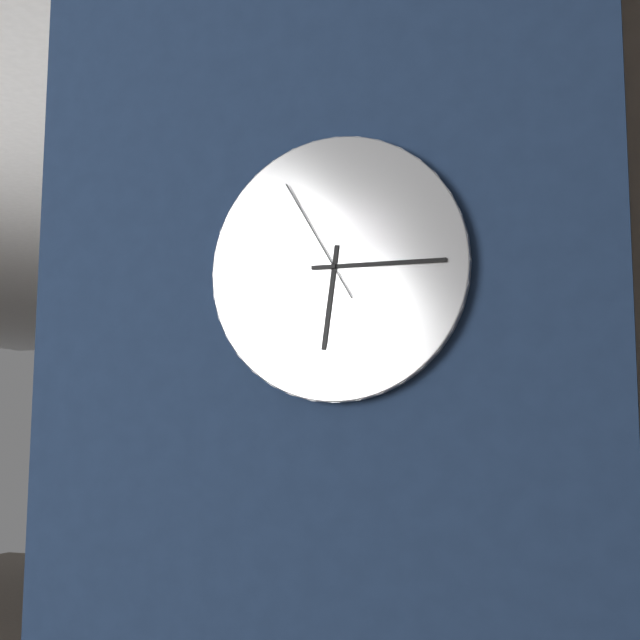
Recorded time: 6:15:55
